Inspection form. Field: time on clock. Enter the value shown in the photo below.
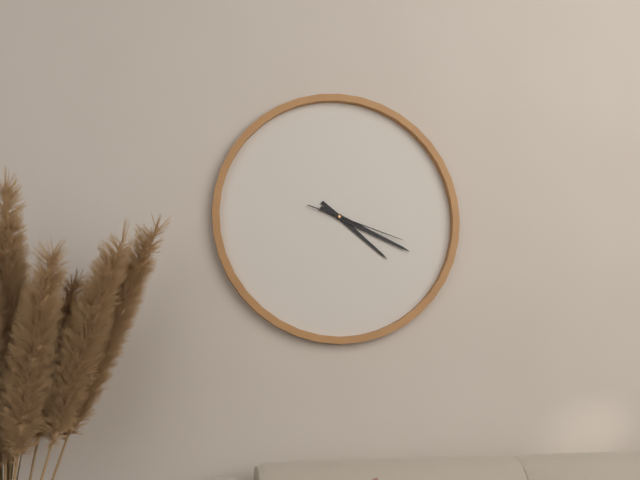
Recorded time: 4:19:18
